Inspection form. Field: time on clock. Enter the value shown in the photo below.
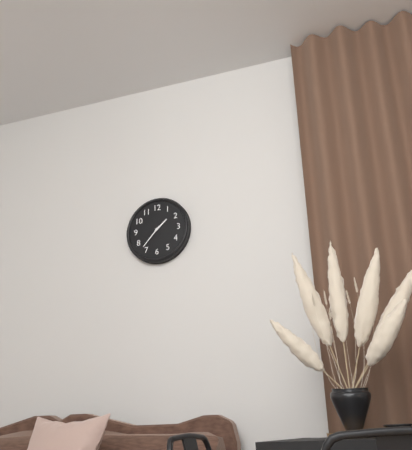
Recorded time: 1:37
